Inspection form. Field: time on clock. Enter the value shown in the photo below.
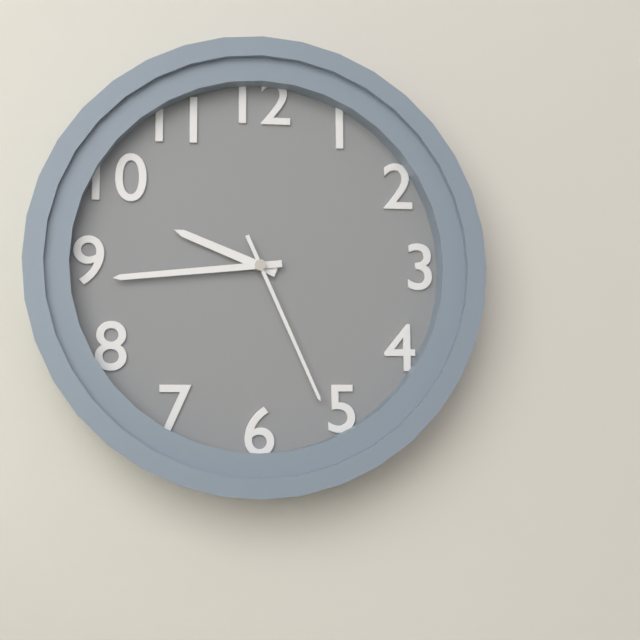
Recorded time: 9:44:26
